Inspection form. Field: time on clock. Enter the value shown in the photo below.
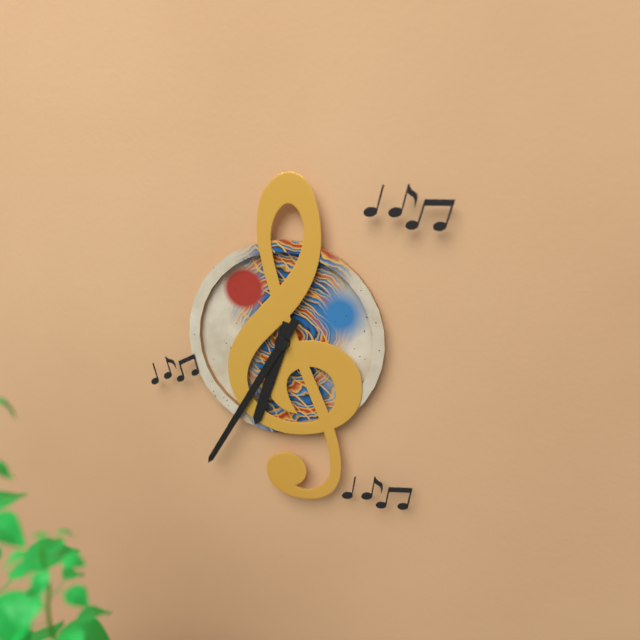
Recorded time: 6:35
